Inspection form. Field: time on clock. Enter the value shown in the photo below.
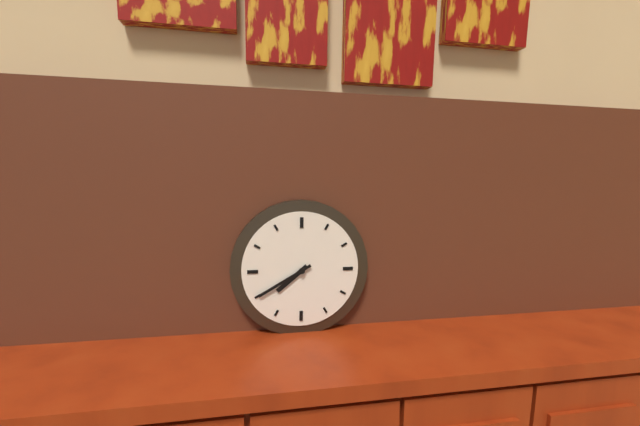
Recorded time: 7:40
